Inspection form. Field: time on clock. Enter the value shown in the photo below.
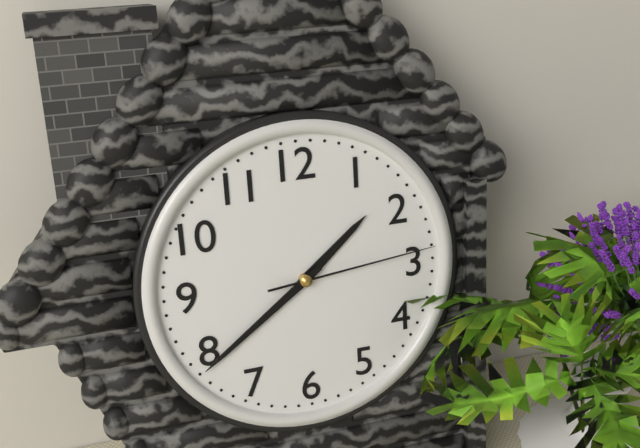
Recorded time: 1:39:14
